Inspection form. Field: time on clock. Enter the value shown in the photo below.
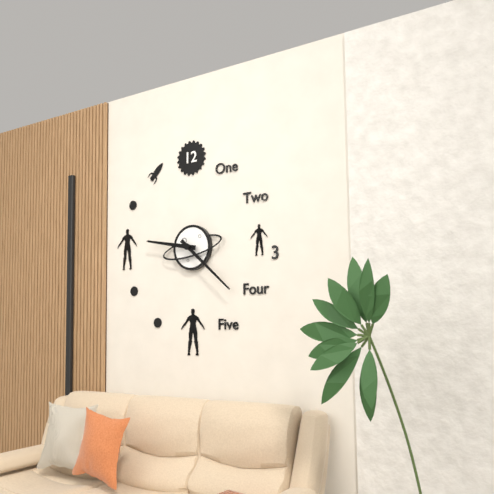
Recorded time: 9:22
